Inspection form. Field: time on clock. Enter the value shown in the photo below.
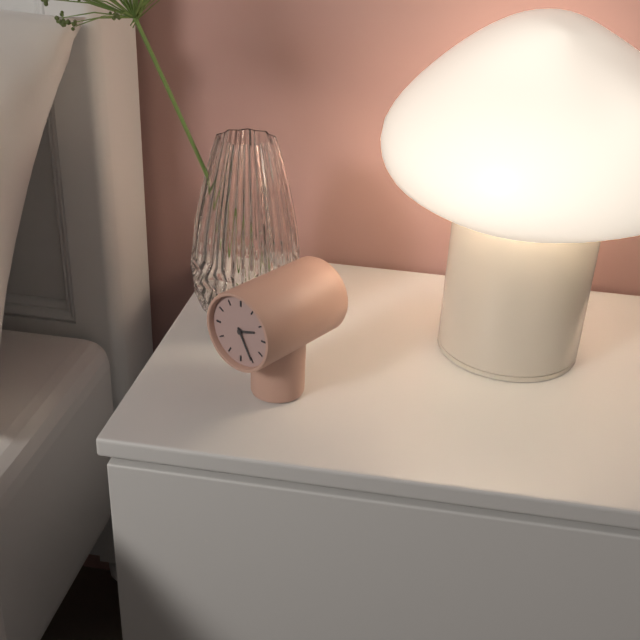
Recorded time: 2:25
